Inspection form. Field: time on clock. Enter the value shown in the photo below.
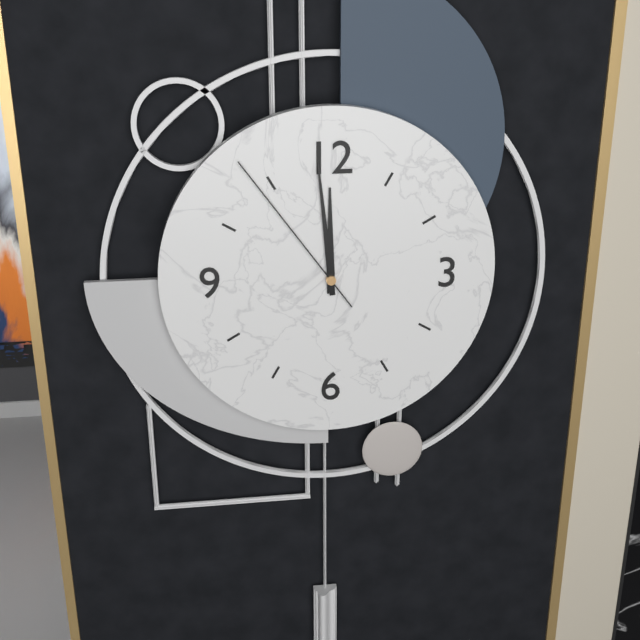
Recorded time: 11:59:54
